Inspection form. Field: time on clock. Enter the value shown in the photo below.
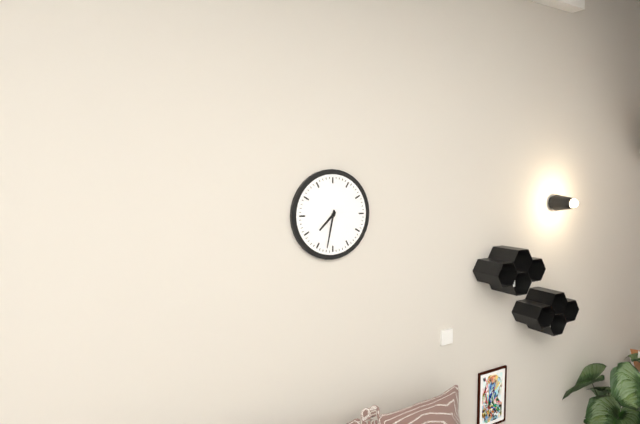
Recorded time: 7:32
